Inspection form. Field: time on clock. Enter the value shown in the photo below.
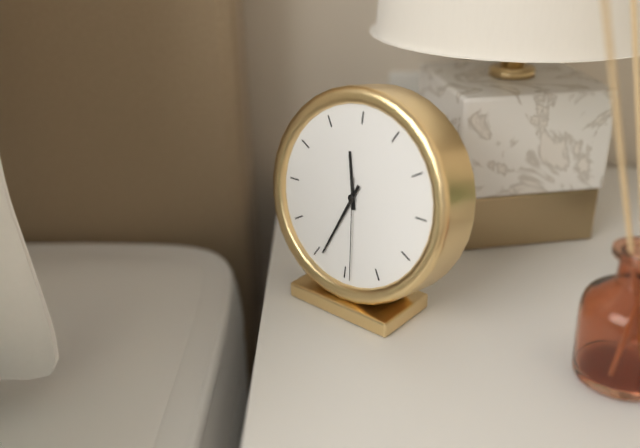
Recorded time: 11:34:29
